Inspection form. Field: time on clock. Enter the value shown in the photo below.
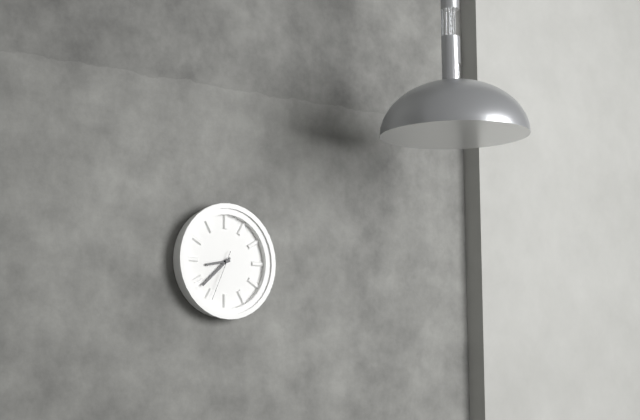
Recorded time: 8:38:34
